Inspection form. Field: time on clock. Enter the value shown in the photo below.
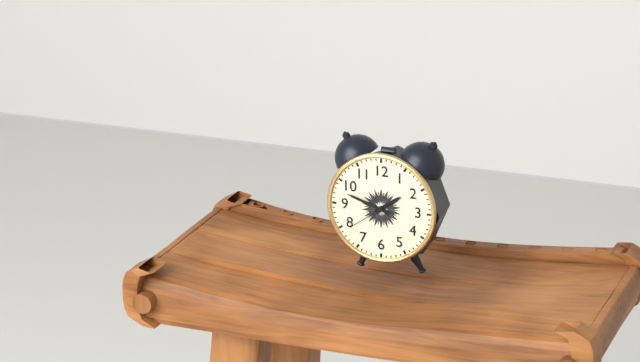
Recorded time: 1:48
